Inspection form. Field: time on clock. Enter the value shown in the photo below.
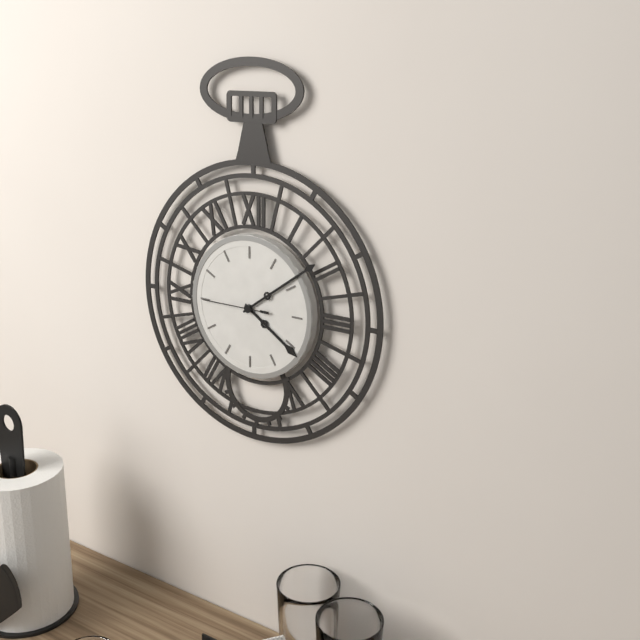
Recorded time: 4:09:45
